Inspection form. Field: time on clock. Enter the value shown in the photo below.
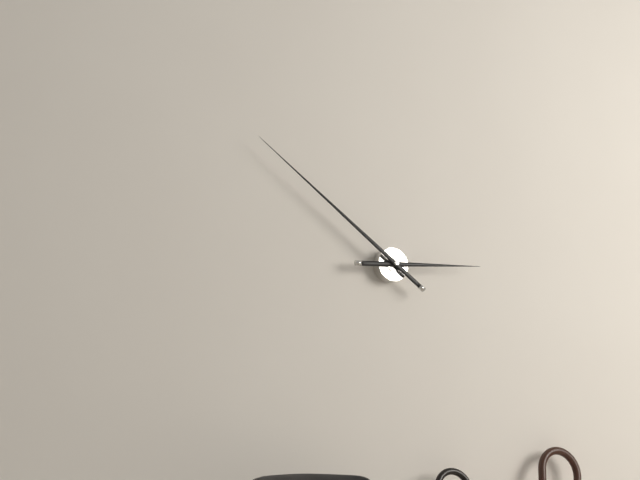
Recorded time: 2:51
